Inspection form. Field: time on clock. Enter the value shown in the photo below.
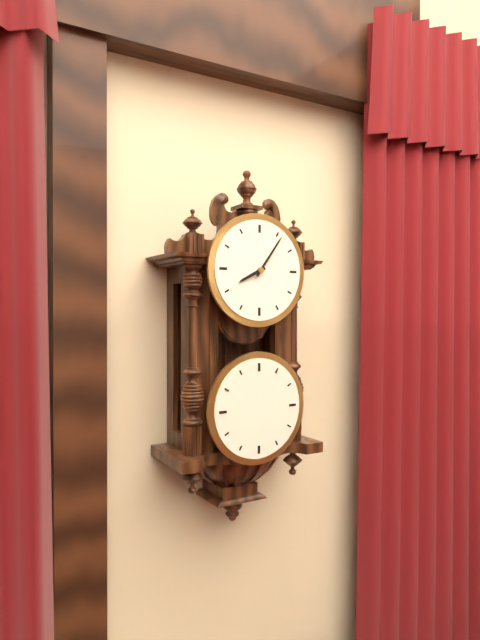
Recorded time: 8:06
